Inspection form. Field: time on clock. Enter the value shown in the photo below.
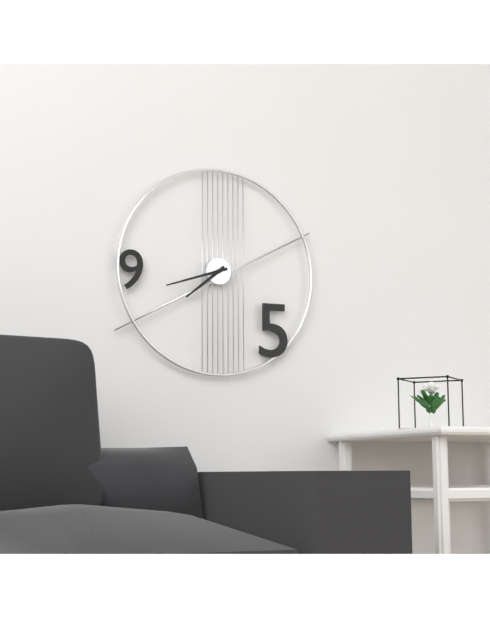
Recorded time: 7:42
